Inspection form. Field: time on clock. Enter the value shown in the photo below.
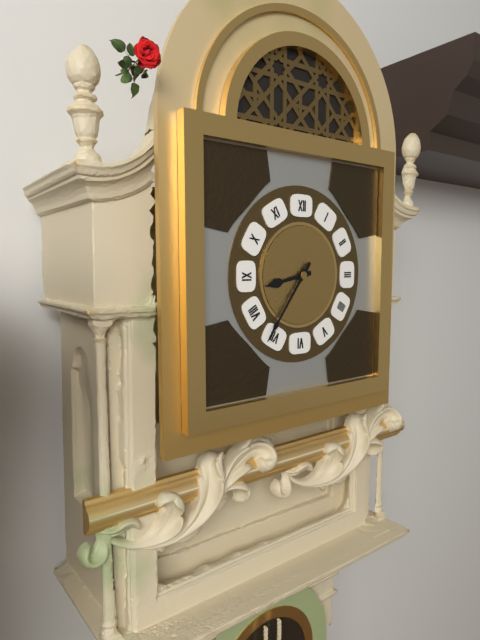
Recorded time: 8:36
